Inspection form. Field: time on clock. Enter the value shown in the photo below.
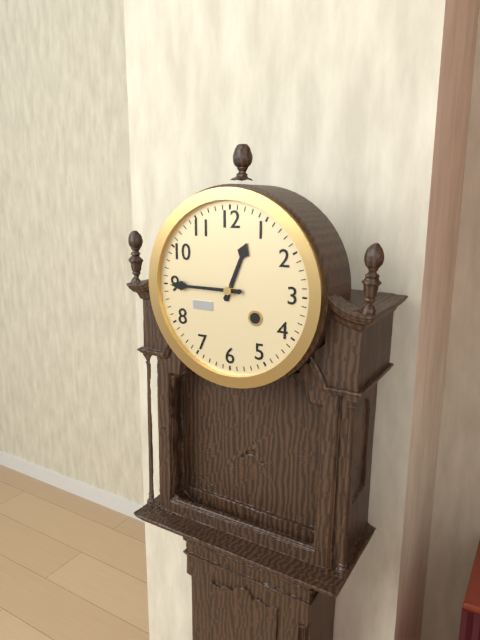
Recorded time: 12:45
